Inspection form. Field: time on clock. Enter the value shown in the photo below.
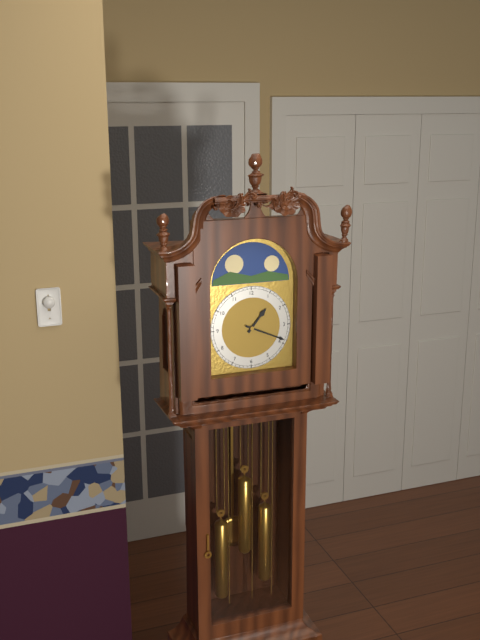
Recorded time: 1:19
